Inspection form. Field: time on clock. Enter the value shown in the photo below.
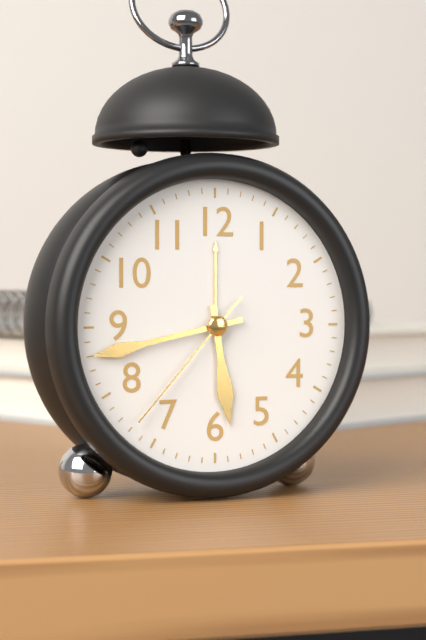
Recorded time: 5:43:37
